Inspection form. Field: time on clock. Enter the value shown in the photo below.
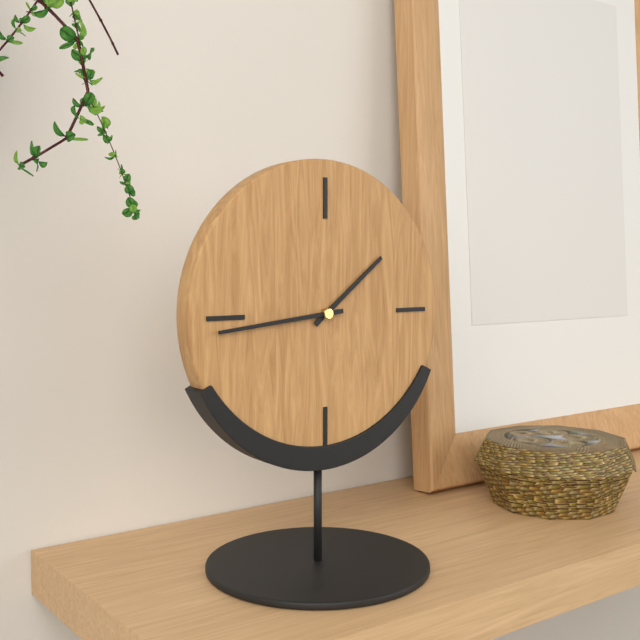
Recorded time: 1:44
